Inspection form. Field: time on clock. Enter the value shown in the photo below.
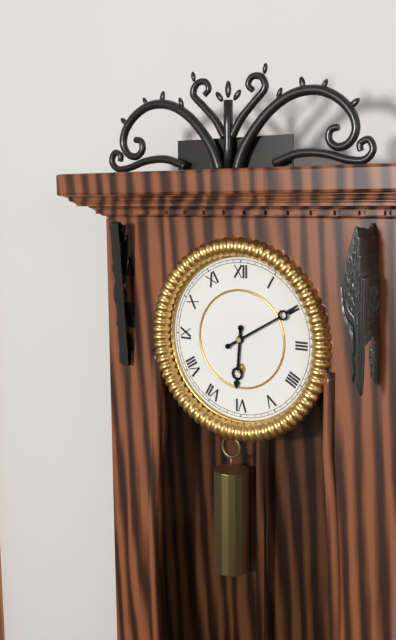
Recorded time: 6:10
